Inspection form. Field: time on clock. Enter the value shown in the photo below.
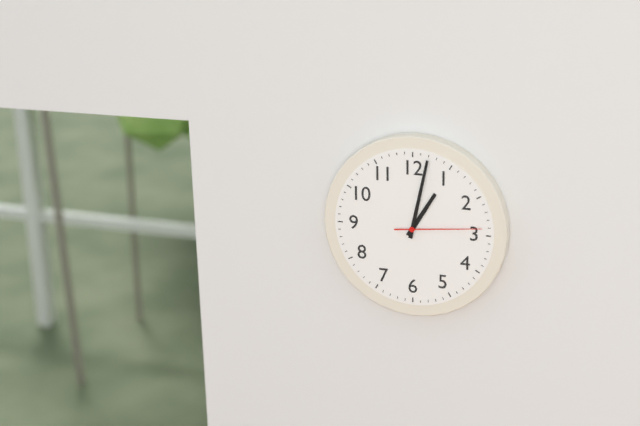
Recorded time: 1:02:14
